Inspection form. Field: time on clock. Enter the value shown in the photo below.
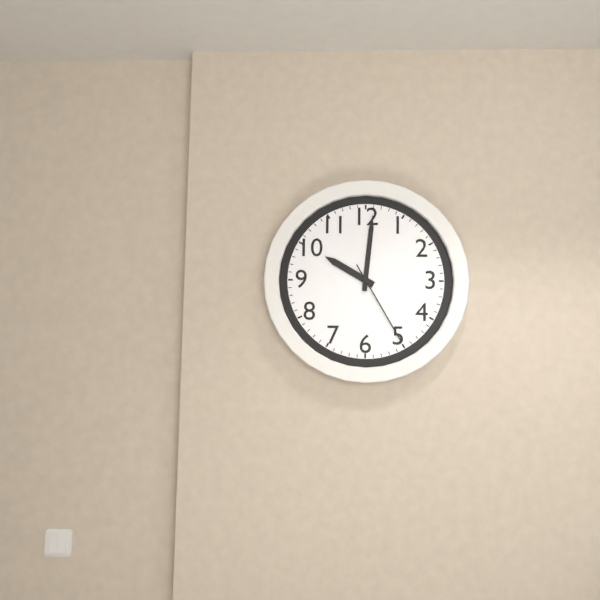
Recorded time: 10:01:25
